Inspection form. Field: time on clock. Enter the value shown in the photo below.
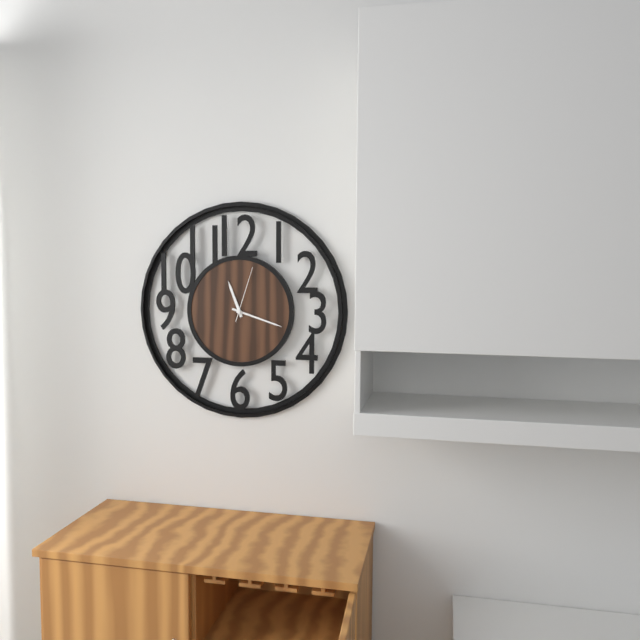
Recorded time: 11:18:03
